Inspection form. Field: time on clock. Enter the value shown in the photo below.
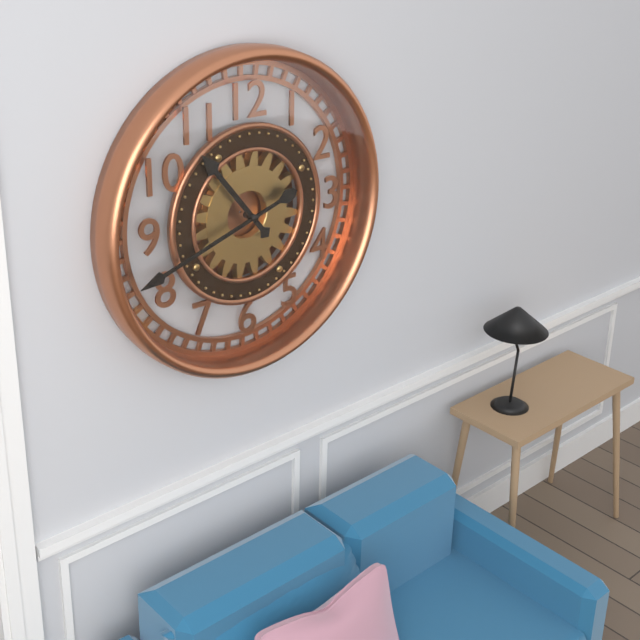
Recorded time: 10:42
